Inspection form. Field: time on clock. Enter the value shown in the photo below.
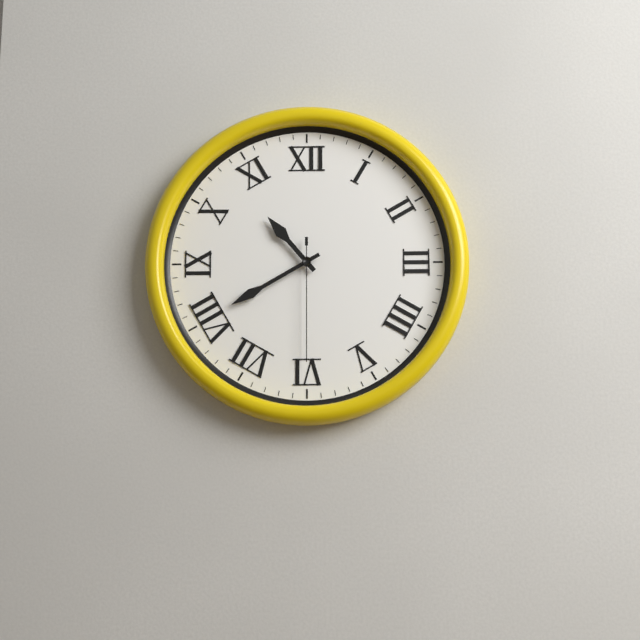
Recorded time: 10:40:30
